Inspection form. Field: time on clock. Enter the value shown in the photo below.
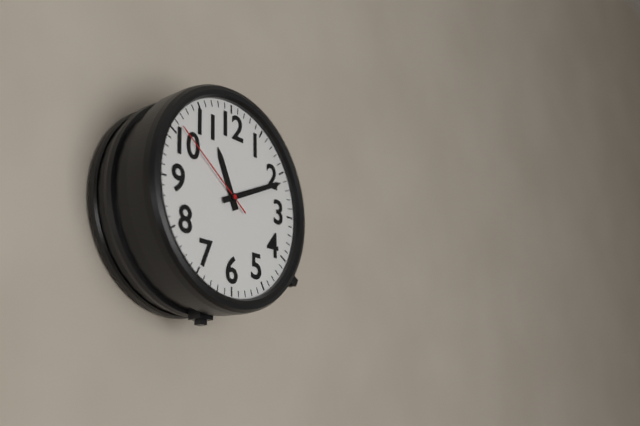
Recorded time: 11:11:51
